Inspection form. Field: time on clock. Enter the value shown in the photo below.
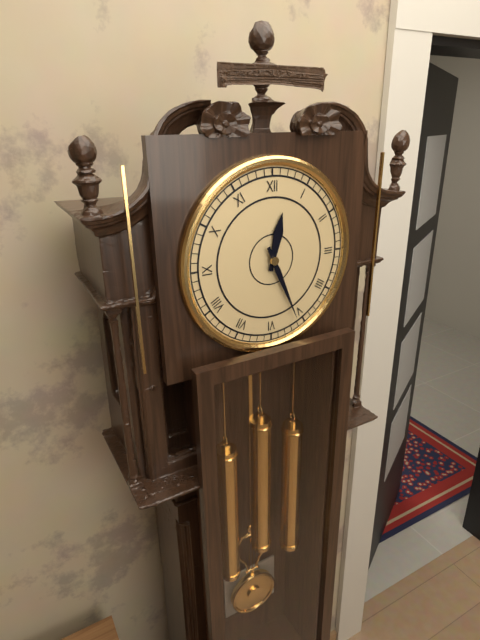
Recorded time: 12:26
